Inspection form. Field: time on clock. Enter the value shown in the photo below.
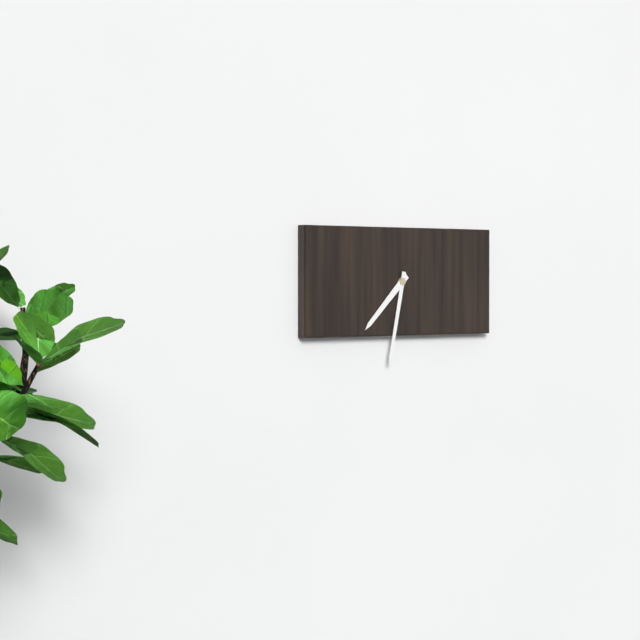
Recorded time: 7:32
